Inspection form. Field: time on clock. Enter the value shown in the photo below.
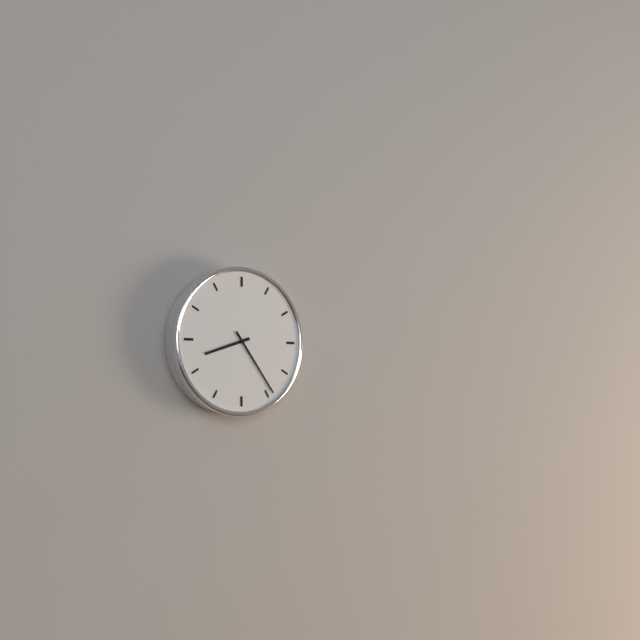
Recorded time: 8:24
